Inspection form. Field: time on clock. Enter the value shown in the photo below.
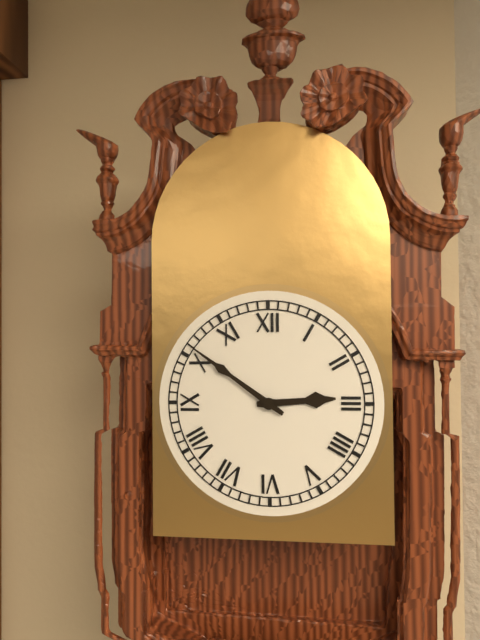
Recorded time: 2:51
